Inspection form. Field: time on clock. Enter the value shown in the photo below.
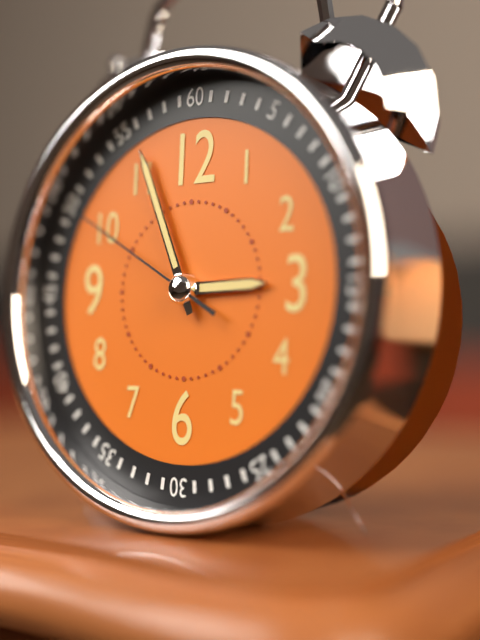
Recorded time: 2:56:50
